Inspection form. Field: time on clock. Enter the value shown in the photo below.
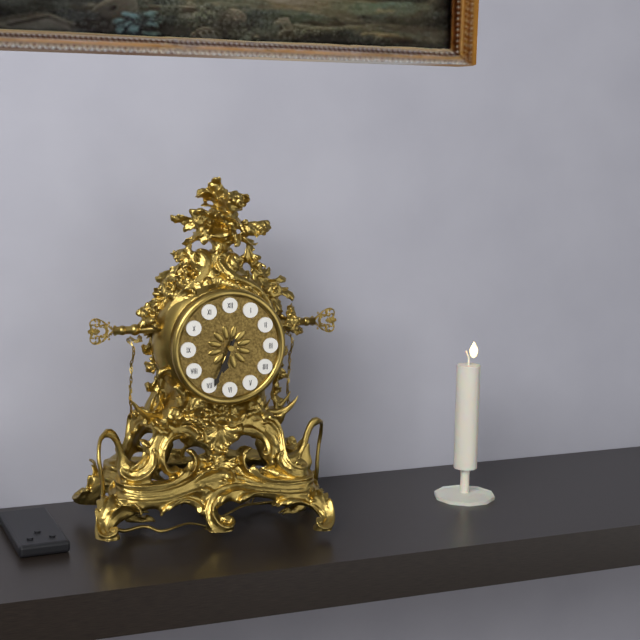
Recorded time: 6:34
